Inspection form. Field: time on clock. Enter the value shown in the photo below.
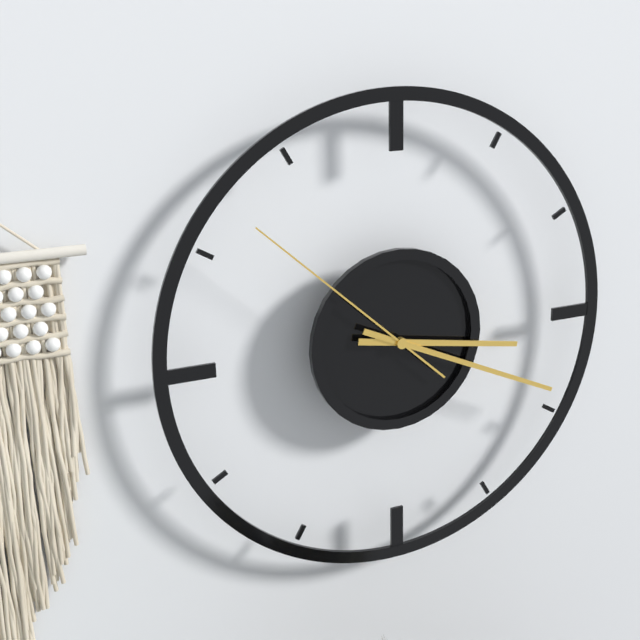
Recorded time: 3:19:52
